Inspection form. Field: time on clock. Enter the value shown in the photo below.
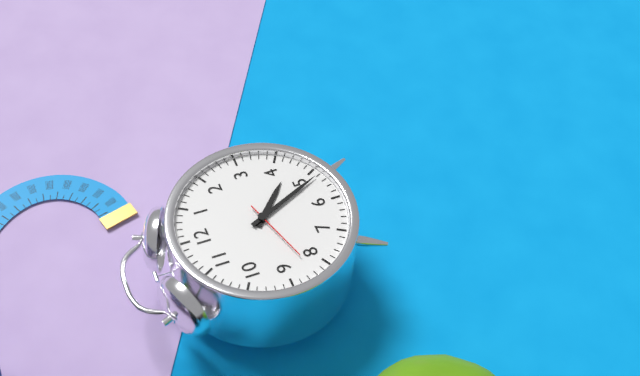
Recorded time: 4:26:42
